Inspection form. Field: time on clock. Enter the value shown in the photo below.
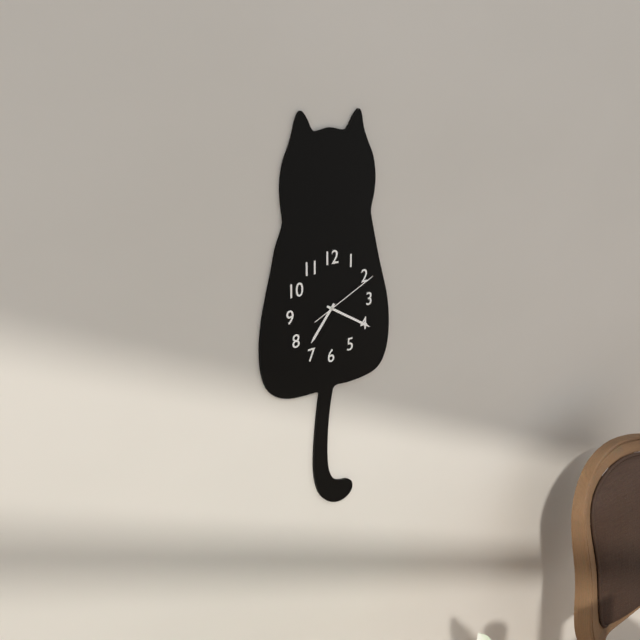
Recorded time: 7:20:11
